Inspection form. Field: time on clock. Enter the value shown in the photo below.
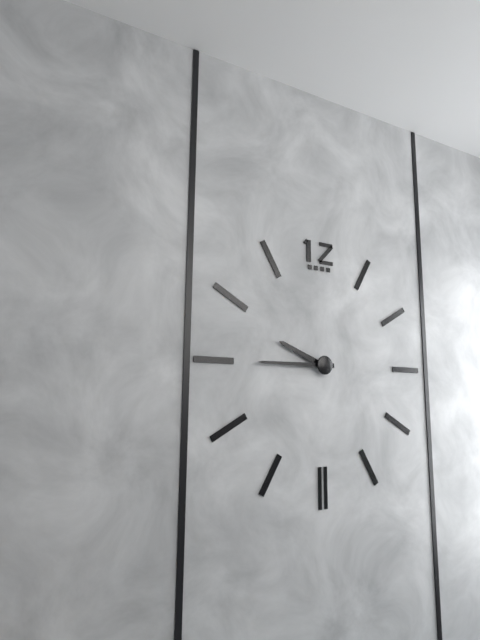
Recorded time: 9:45
